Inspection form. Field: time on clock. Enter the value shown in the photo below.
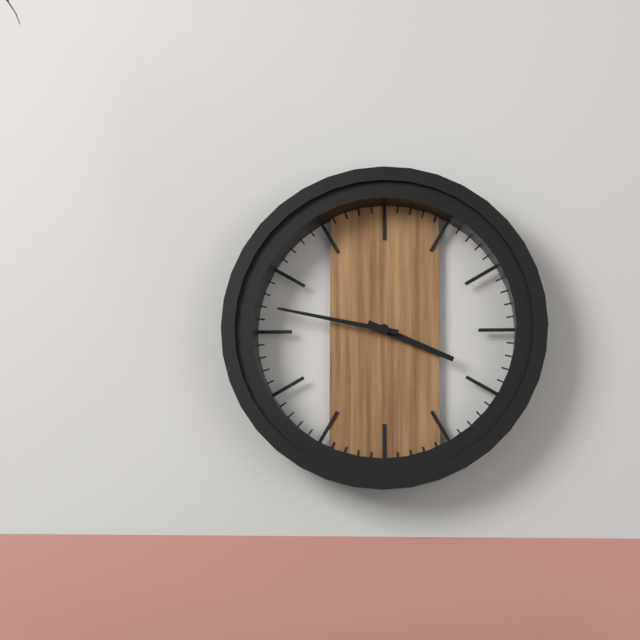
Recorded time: 3:47
